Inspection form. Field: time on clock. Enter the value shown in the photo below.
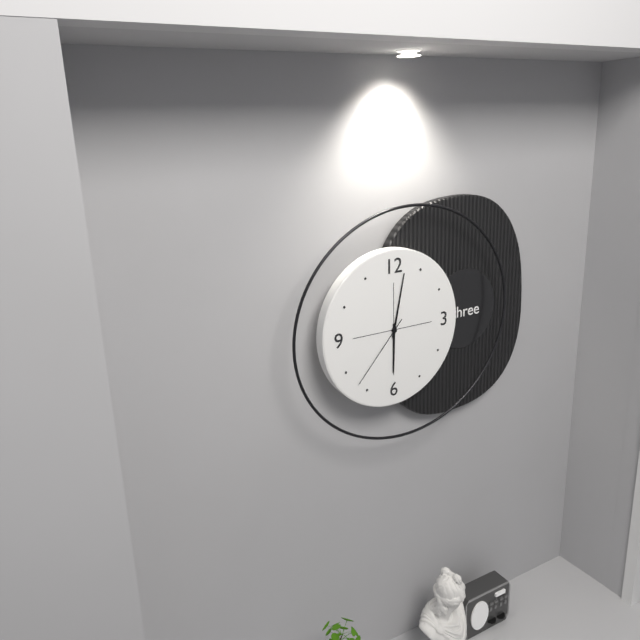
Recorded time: 6:02:37
